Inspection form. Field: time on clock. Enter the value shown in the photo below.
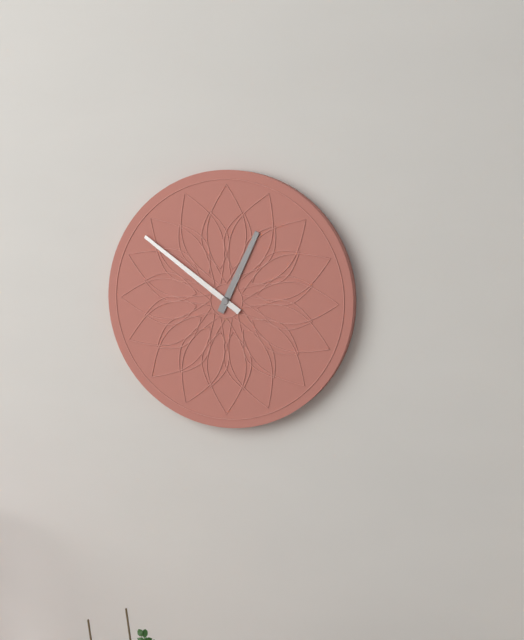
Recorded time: 12:51
